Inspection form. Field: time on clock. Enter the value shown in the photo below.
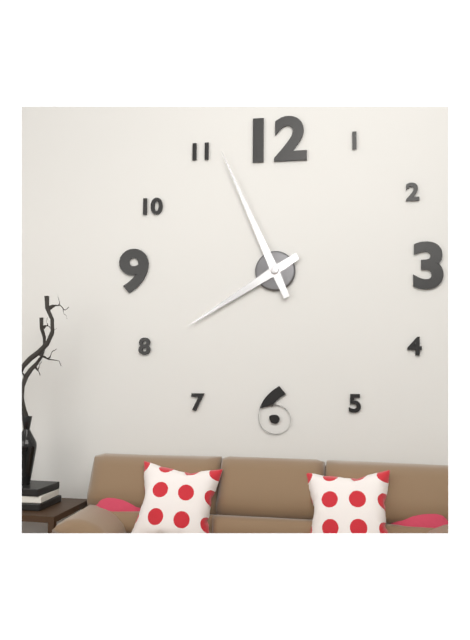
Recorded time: 7:56
